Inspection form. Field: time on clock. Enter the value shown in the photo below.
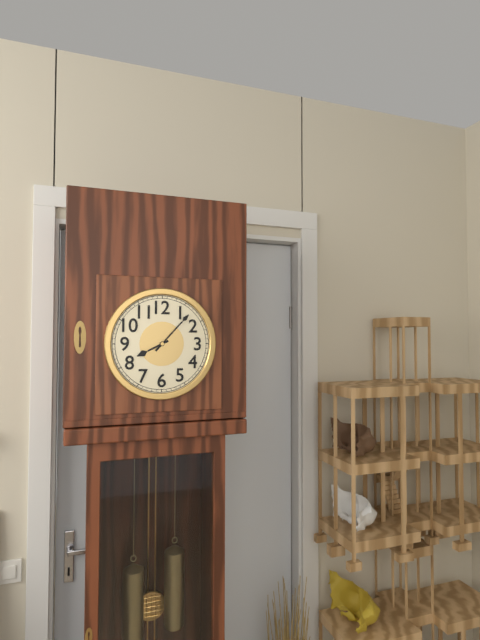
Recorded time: 8:07
